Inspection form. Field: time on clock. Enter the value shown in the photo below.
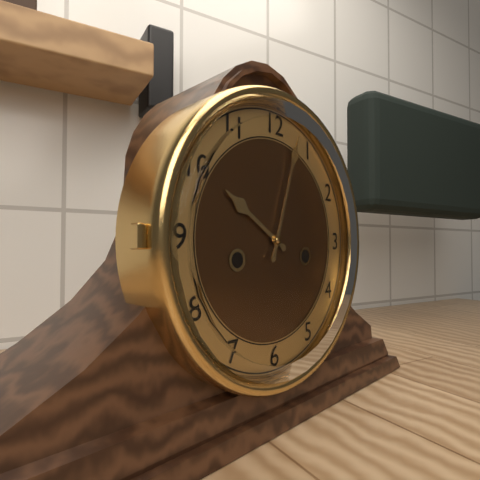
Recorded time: 10:03
